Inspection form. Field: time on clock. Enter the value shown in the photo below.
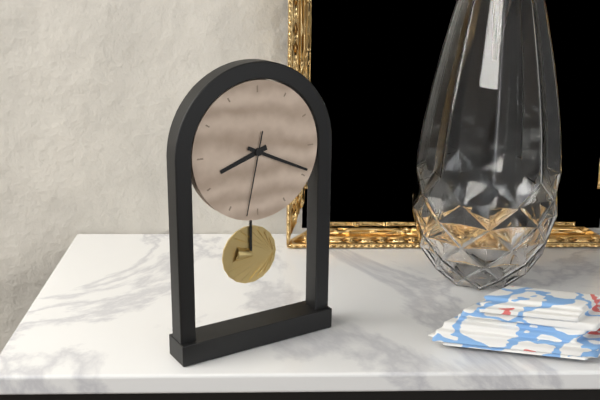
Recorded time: 8:19:32
